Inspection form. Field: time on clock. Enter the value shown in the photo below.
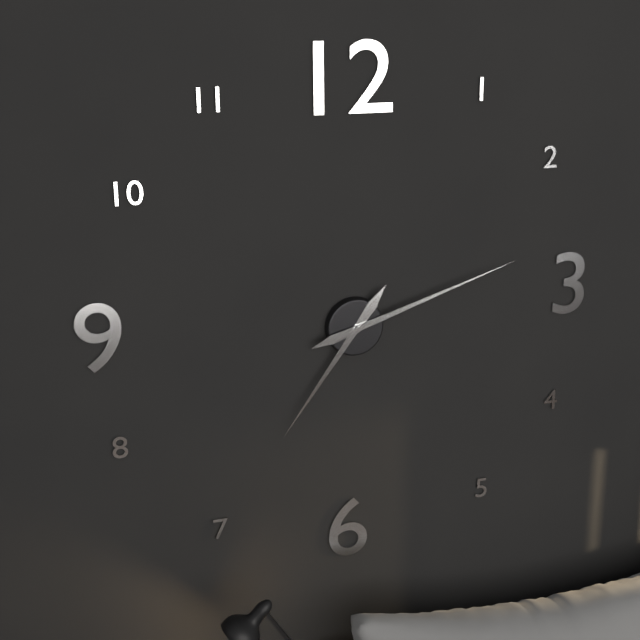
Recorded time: 7:12
